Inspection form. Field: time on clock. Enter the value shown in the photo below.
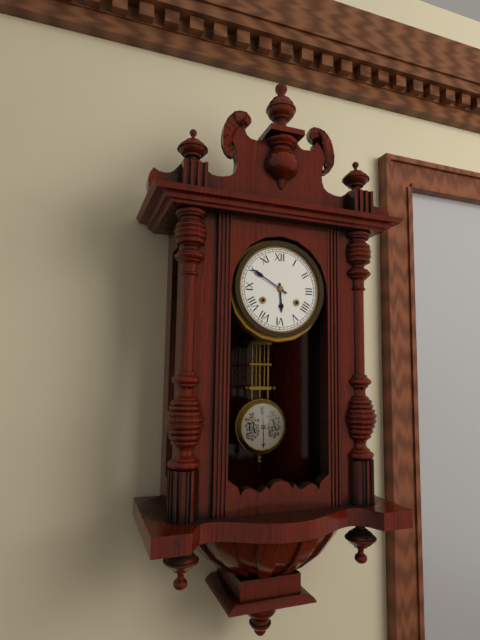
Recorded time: 5:50
